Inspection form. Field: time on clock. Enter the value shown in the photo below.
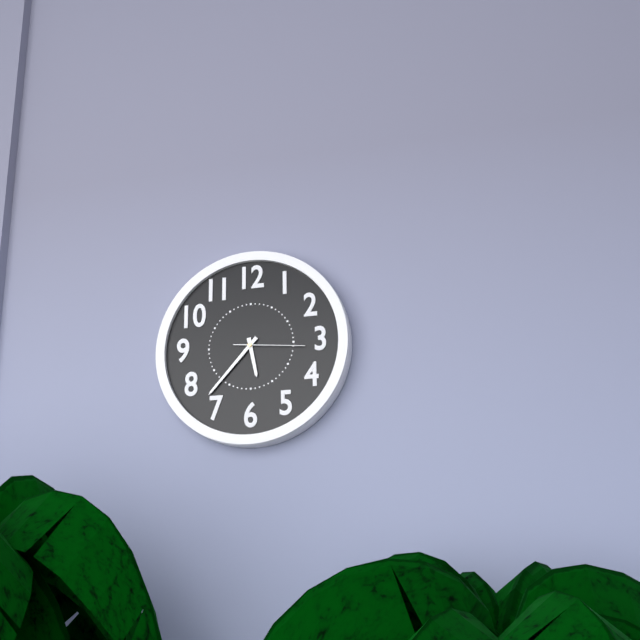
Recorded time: 5:37:16
